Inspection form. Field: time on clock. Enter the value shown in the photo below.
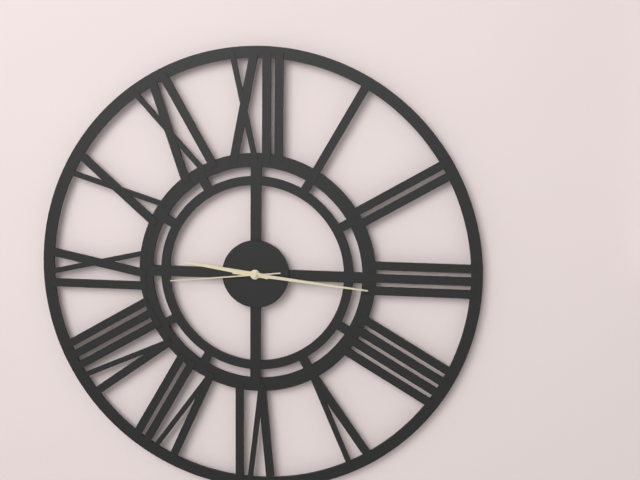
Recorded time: 9:16:44
